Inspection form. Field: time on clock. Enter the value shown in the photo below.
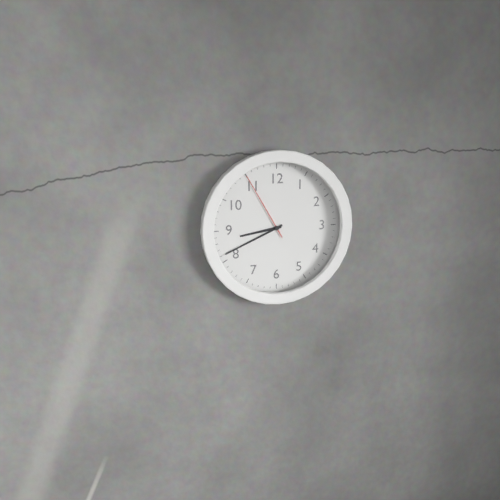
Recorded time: 8:41:55
